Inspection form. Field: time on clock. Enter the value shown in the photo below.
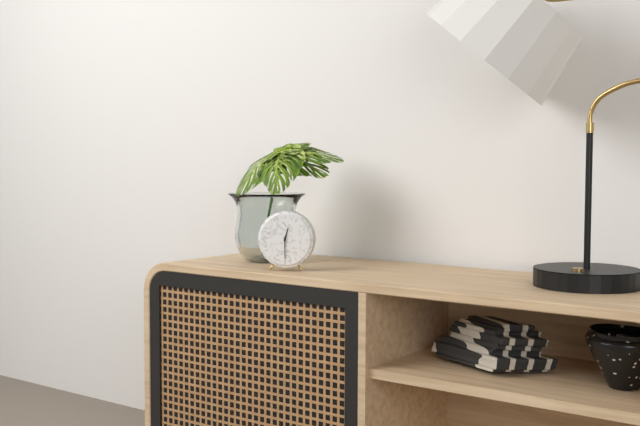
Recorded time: 12:30
